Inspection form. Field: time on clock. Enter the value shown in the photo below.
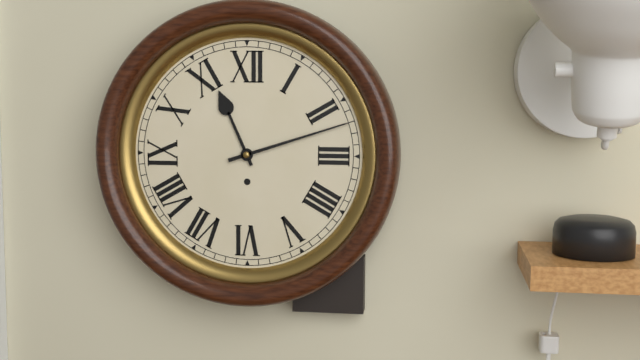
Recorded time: 11:12
